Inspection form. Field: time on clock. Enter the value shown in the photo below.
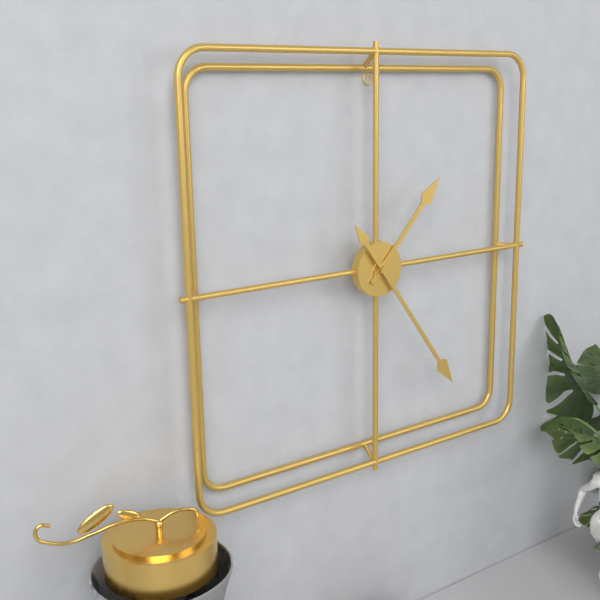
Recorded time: 1:24
